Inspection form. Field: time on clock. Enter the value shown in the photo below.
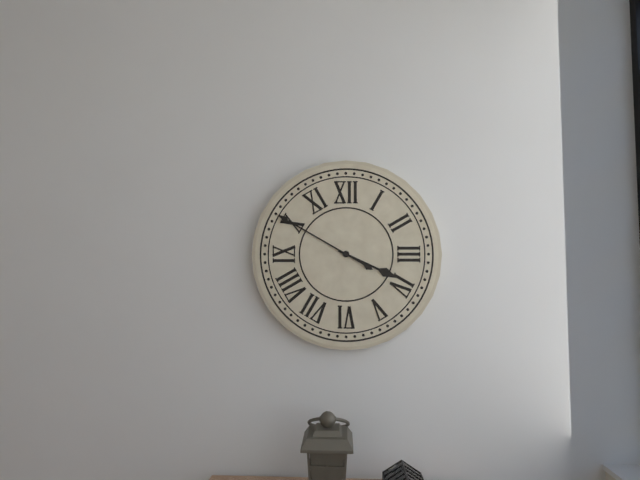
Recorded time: 3:50
